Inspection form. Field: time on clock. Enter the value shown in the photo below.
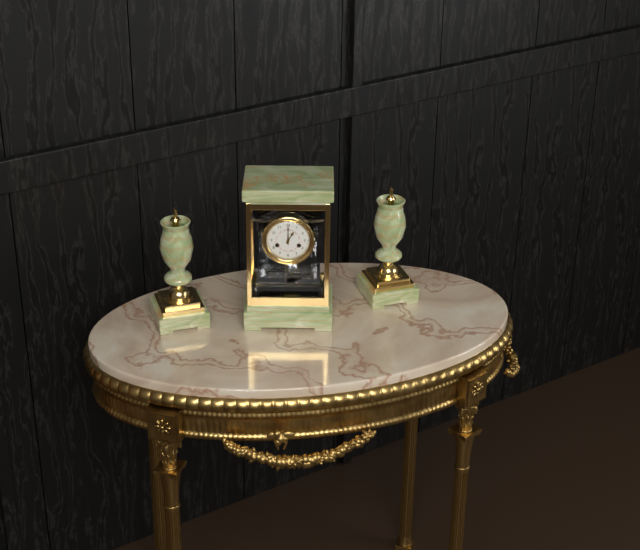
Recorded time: 1:00
